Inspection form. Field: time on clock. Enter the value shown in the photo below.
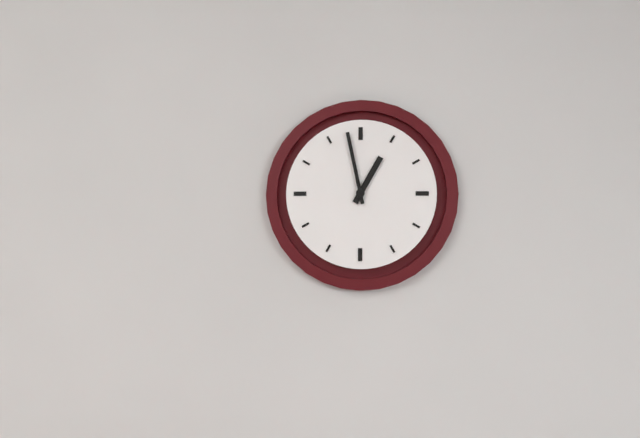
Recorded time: 12:58
